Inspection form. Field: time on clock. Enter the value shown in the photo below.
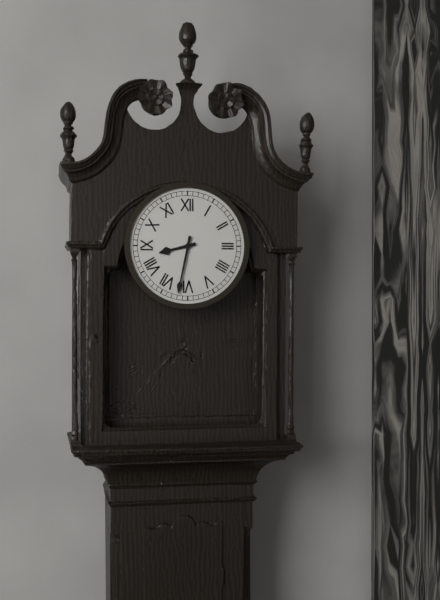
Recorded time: 8:32
